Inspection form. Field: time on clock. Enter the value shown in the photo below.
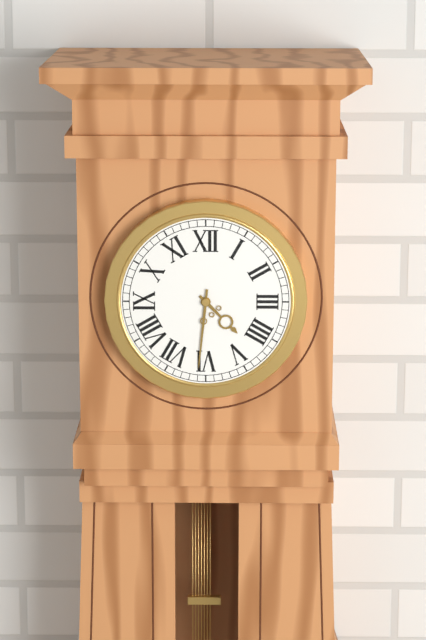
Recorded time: 4:31
